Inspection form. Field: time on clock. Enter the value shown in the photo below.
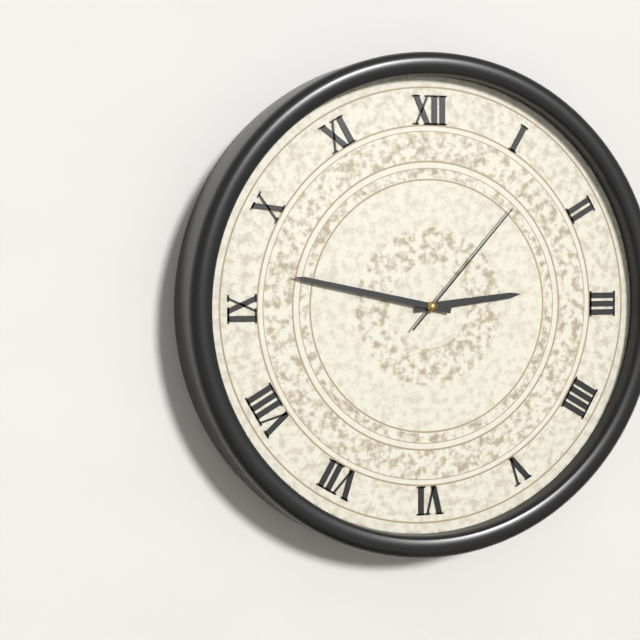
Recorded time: 2:47:07
